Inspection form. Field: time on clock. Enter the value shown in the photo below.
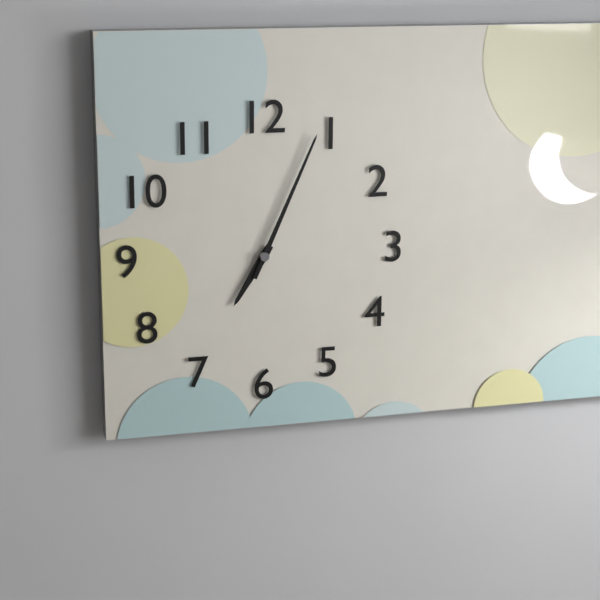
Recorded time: 7:04
